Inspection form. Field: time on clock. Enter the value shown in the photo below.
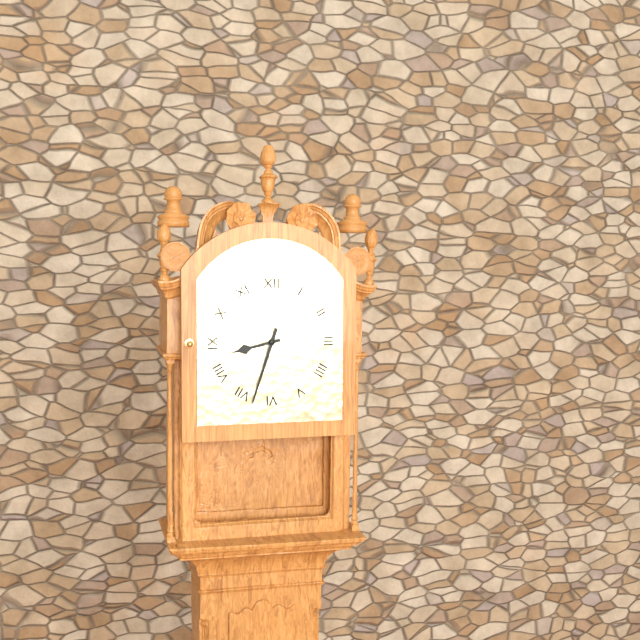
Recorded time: 8:33
